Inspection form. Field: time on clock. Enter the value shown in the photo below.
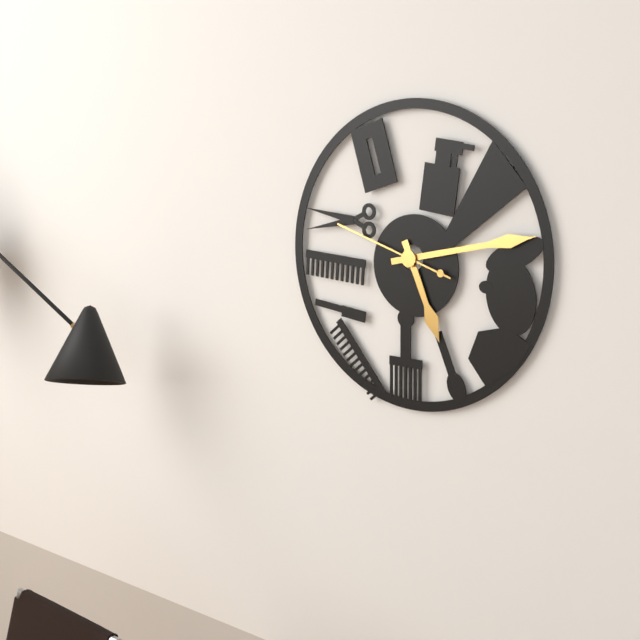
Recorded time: 5:13:48
